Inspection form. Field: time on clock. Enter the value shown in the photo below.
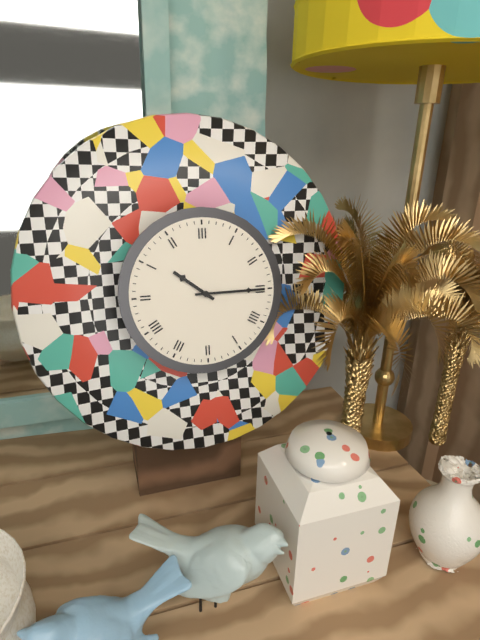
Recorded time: 10:15
